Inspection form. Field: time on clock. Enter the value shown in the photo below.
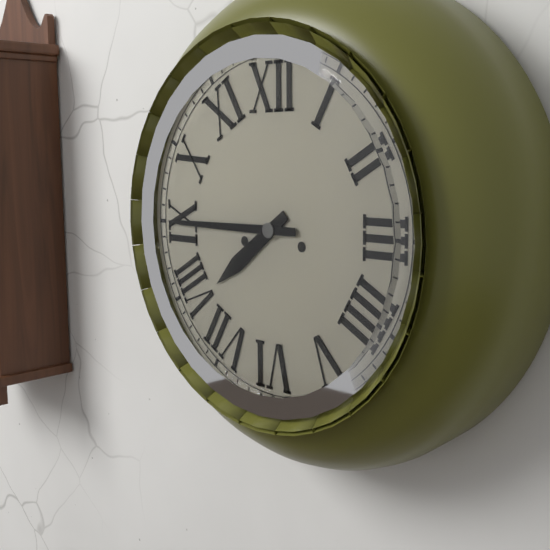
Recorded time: 7:45
